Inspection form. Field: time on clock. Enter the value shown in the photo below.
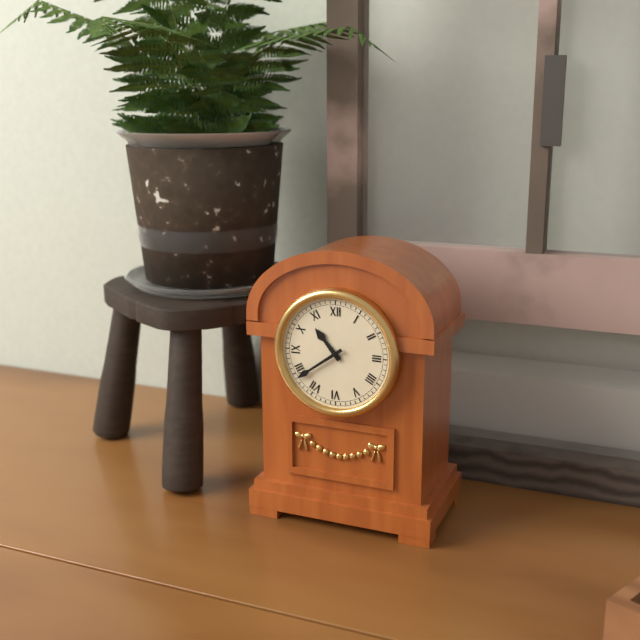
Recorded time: 10:39
